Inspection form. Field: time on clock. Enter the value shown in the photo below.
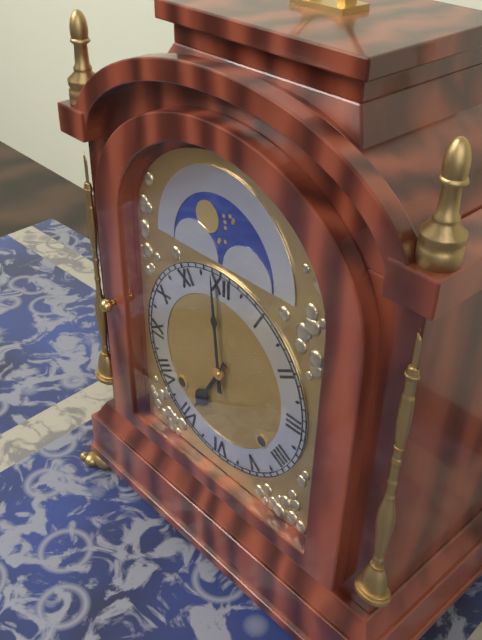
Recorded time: 6:59
